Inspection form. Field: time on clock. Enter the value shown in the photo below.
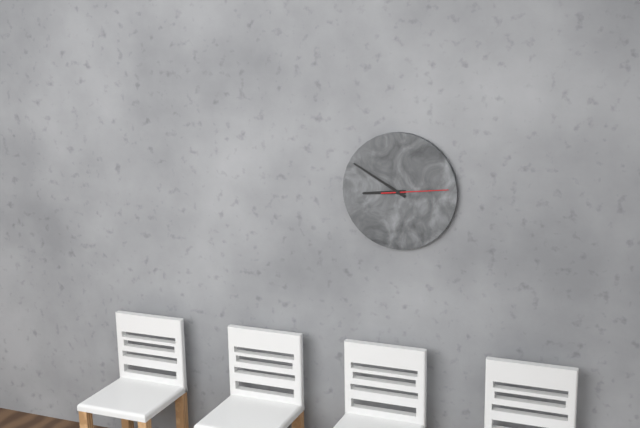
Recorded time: 8:50:14
